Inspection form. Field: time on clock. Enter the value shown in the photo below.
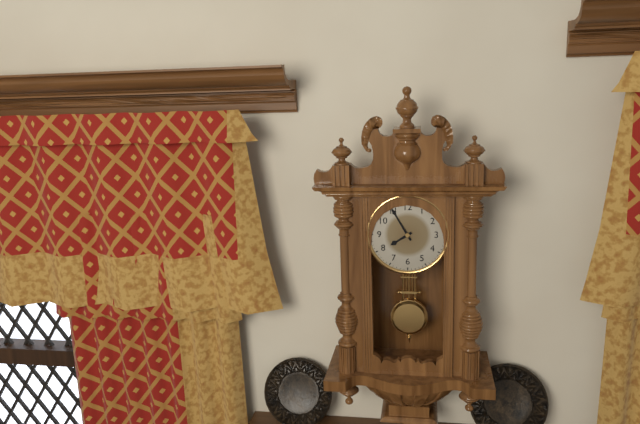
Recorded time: 7:55
